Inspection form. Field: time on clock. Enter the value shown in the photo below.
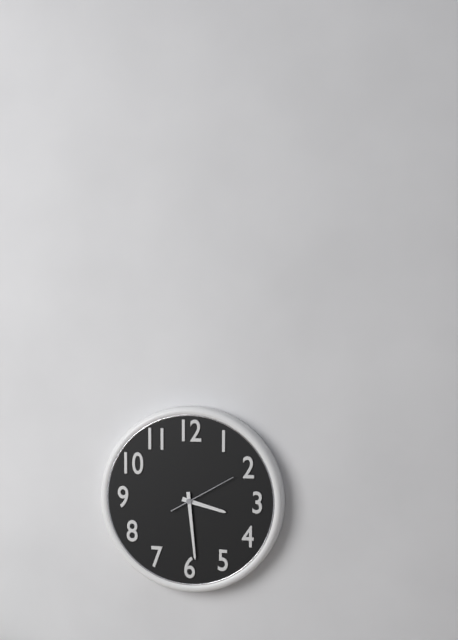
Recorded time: 3:29:10
